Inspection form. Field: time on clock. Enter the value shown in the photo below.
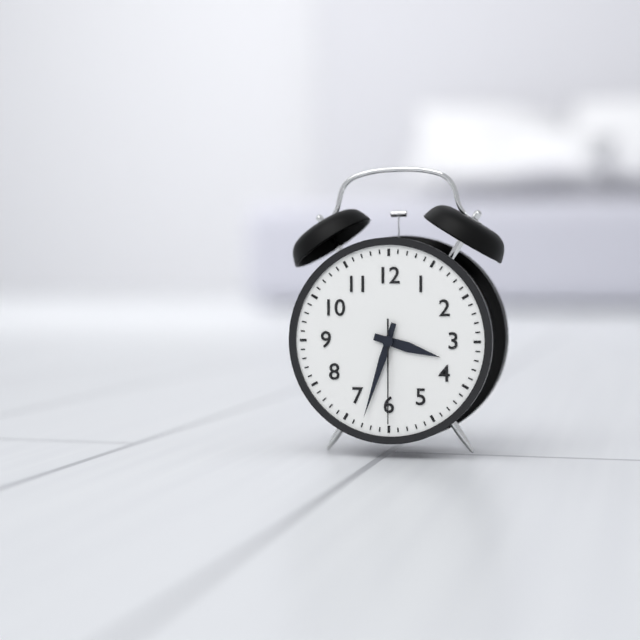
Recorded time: 3:33:30
